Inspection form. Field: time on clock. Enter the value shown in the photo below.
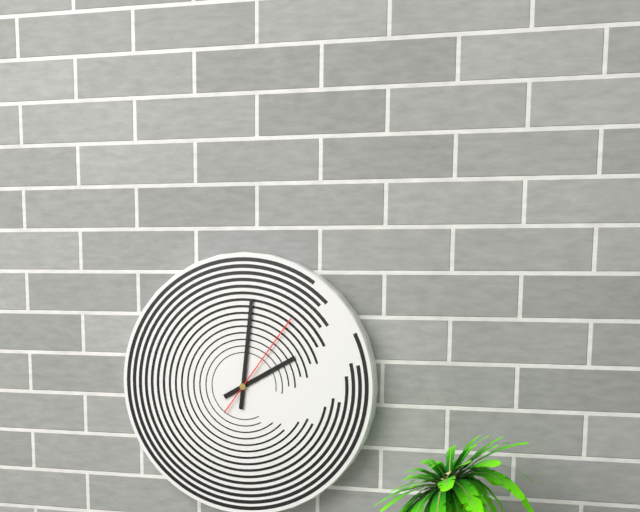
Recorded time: 2:01:06
